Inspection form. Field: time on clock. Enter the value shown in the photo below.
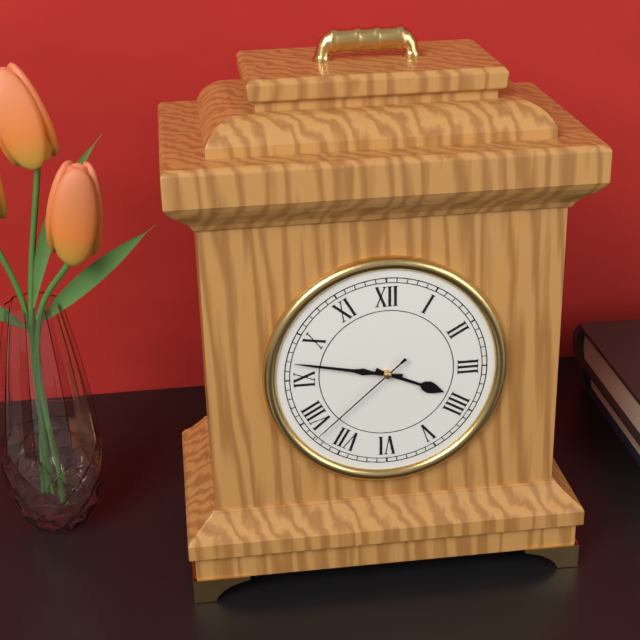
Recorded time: 3:47:38
